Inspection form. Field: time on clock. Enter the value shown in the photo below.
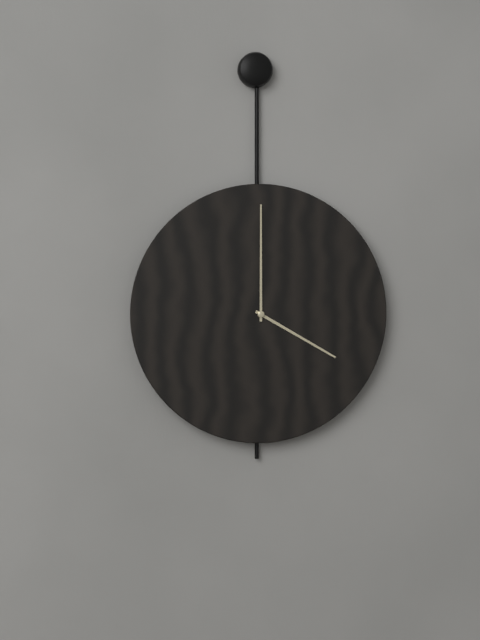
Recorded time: 4:00
